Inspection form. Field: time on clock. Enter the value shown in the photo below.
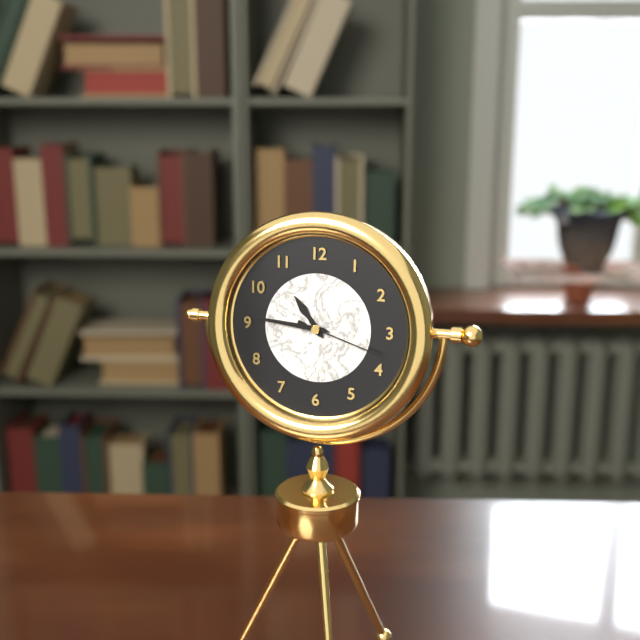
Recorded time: 10:46:18
